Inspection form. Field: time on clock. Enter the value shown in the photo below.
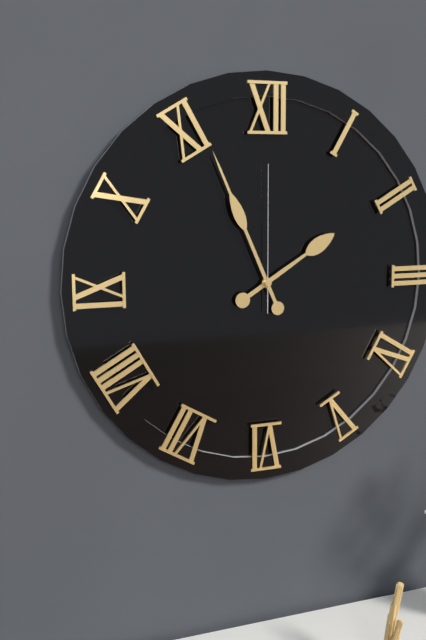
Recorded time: 1:56:00
